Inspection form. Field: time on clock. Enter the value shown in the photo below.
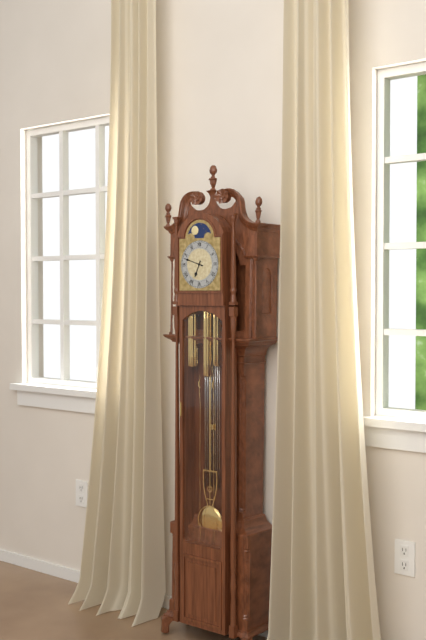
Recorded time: 6:48
